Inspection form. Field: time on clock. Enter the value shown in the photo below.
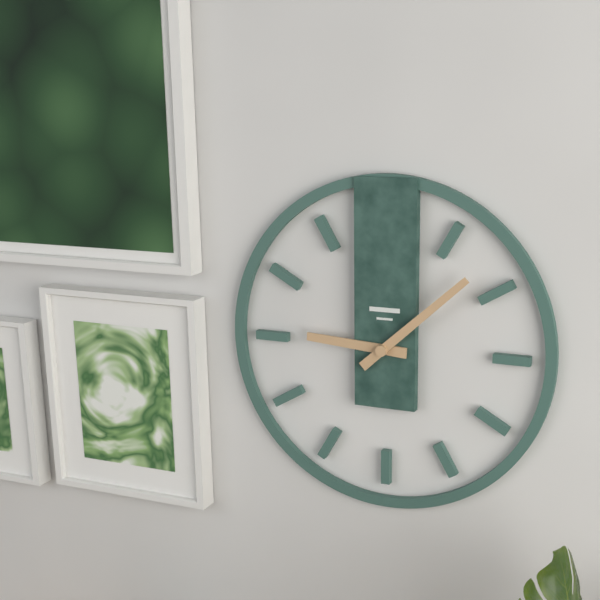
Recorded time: 9:08
